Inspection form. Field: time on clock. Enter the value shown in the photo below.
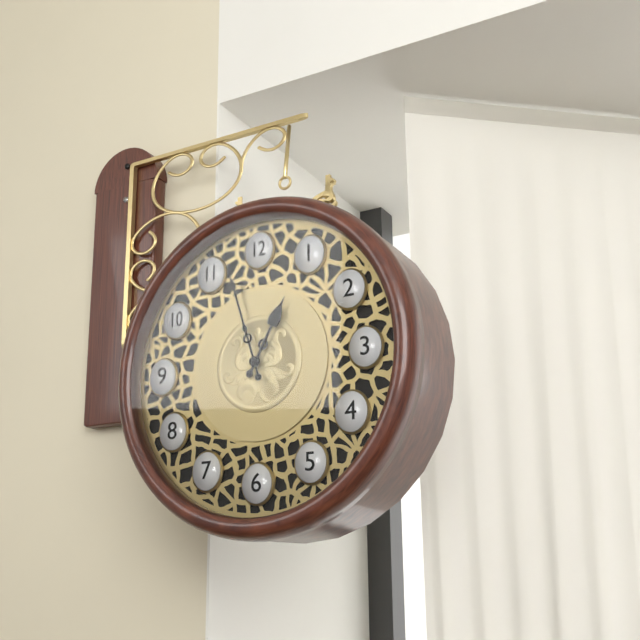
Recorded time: 12:57
